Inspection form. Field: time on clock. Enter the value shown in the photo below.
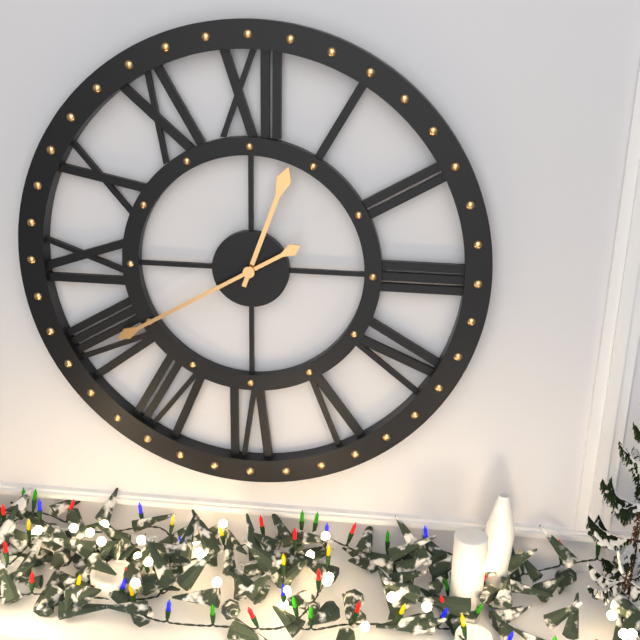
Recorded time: 12:40
